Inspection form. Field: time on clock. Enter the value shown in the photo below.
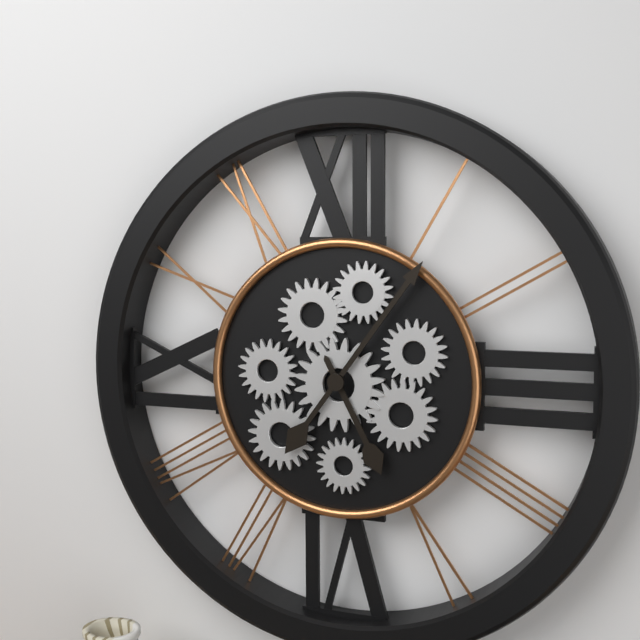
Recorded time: 5:06
